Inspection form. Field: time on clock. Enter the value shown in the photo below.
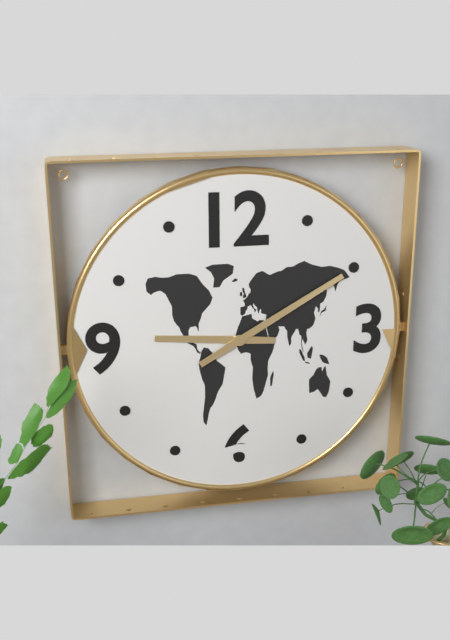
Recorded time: 9:10
